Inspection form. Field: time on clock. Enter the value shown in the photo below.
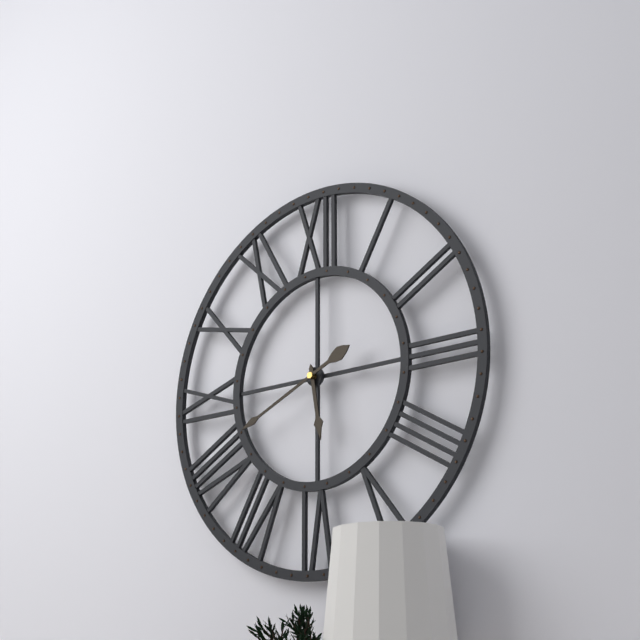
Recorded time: 5:41
